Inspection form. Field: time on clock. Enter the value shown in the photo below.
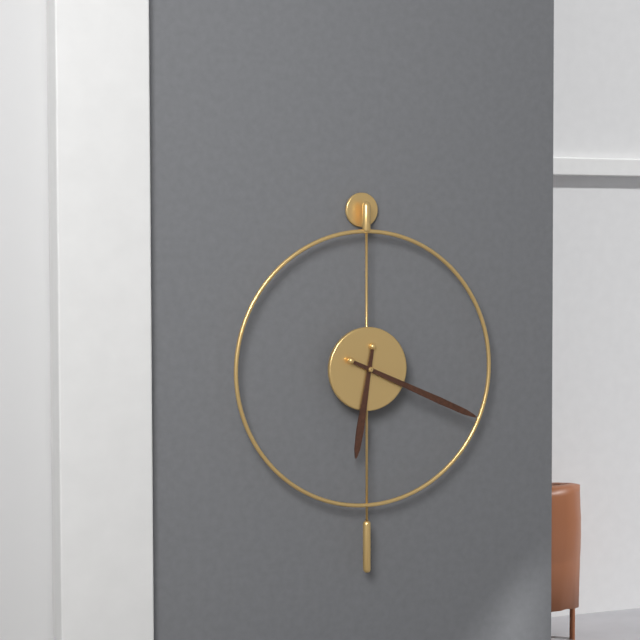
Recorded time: 6:19
